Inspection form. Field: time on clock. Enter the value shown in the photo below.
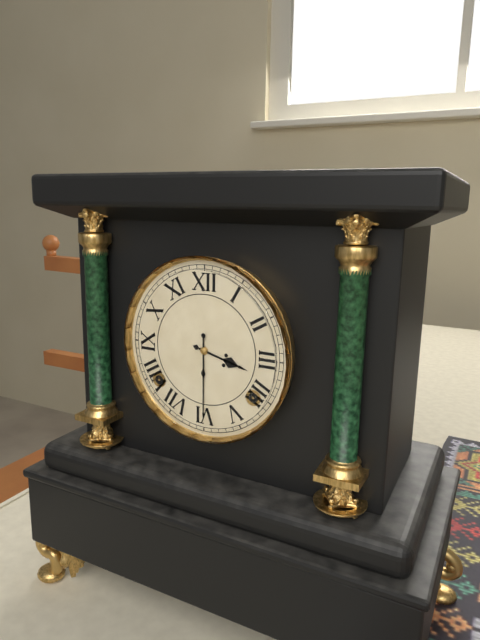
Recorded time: 3:30
